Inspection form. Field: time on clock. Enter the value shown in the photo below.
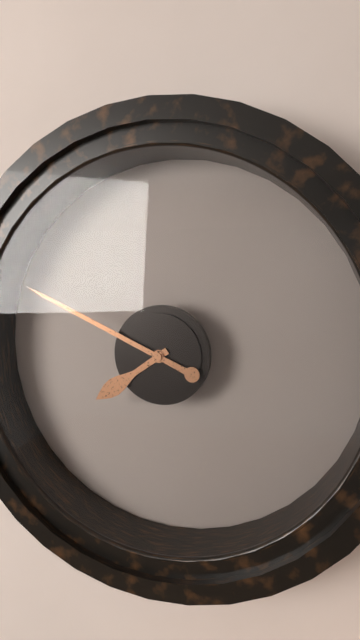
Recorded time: 7:49
